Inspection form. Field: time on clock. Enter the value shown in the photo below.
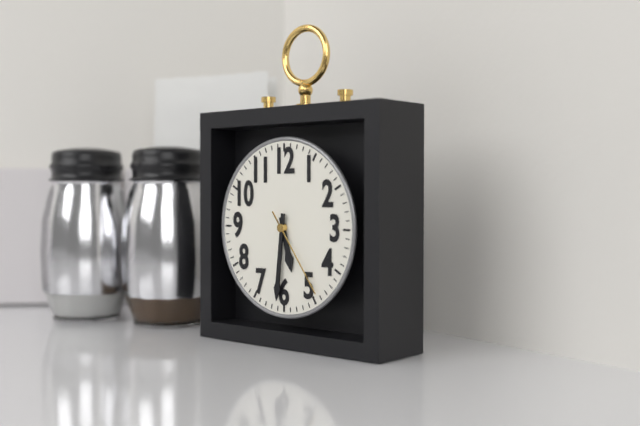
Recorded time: 5:31:24
